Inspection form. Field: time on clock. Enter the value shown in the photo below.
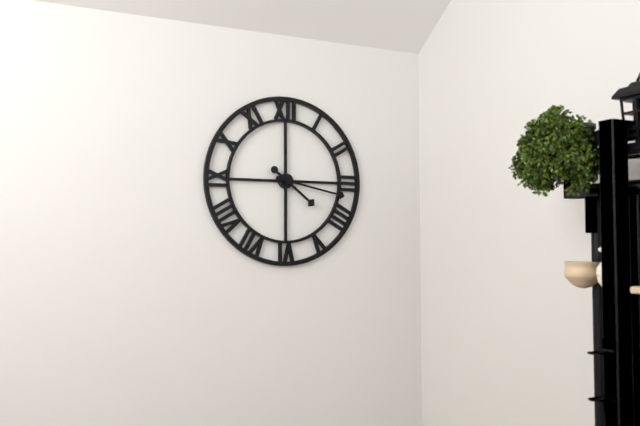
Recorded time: 4:17
